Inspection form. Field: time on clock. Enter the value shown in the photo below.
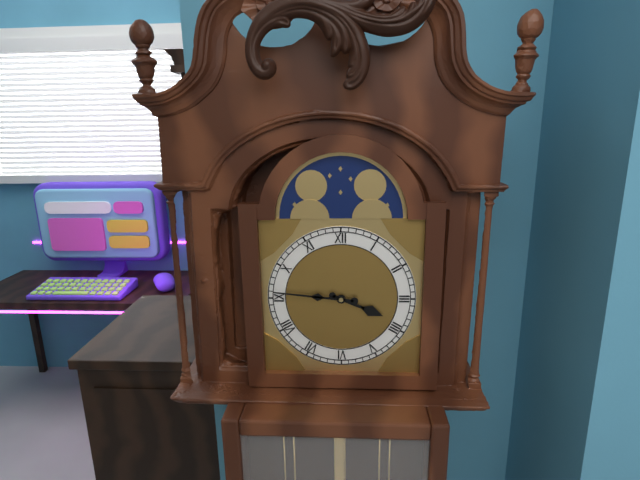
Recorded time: 3:46
